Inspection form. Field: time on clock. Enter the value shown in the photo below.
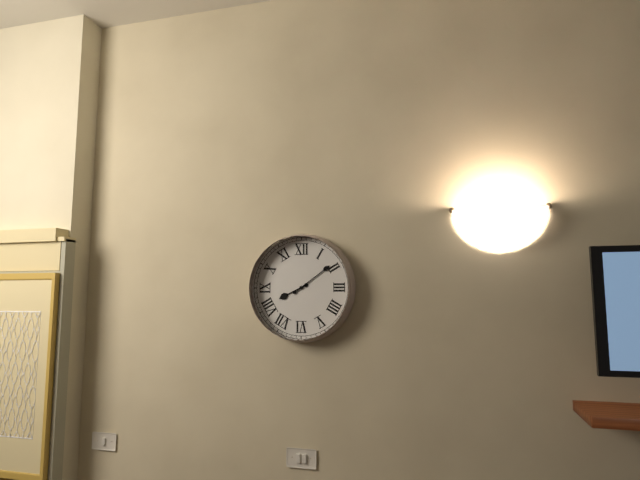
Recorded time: 8:09
